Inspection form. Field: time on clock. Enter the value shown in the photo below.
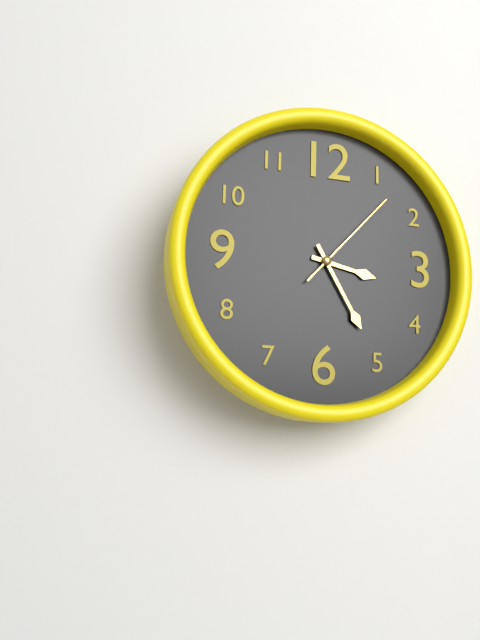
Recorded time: 3:25:07
